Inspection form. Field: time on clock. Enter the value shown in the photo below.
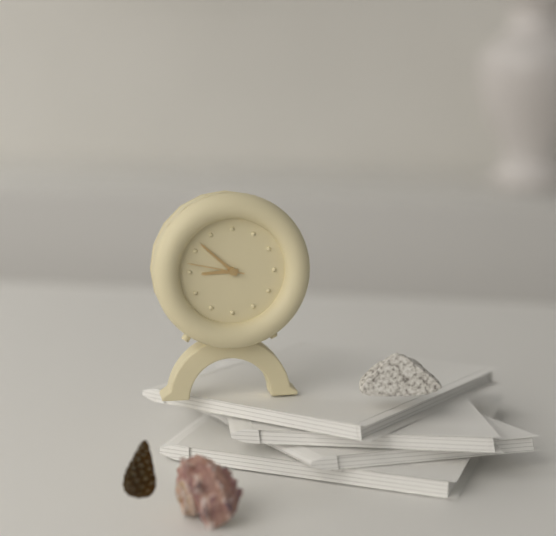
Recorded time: 8:52:47
